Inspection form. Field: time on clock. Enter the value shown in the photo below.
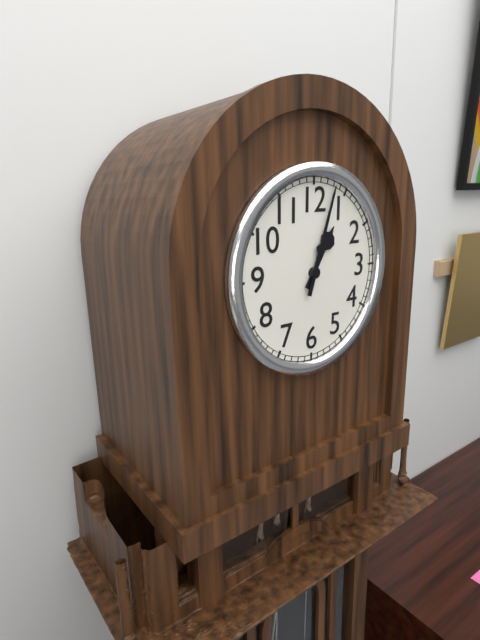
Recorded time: 1:03
